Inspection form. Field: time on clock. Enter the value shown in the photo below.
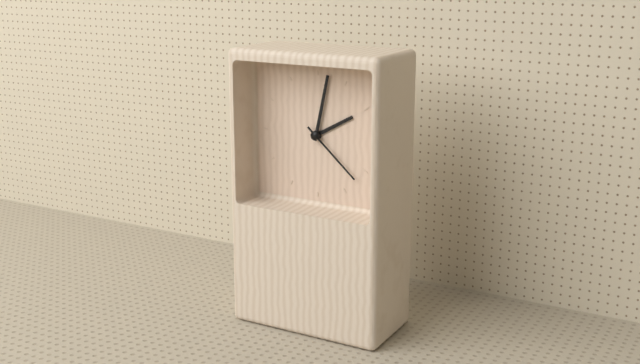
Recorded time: 2:02:22
